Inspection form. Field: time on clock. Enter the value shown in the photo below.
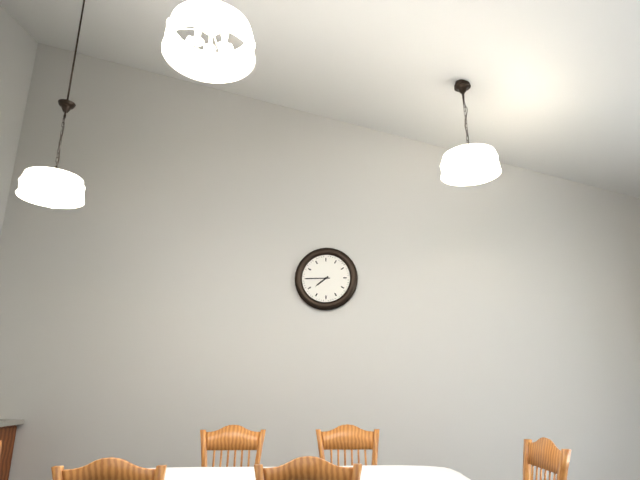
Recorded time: 7:45
